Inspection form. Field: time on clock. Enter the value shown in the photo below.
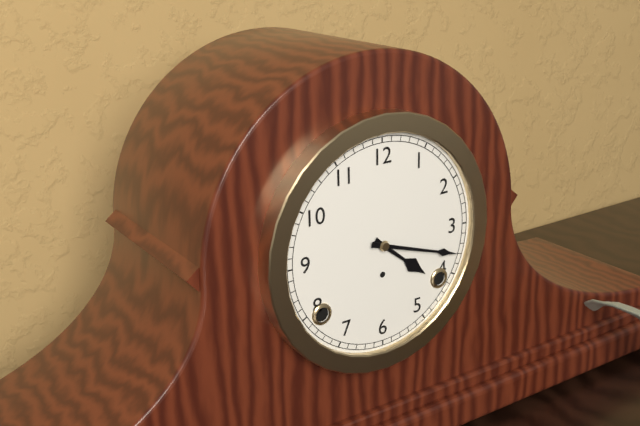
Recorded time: 4:18
